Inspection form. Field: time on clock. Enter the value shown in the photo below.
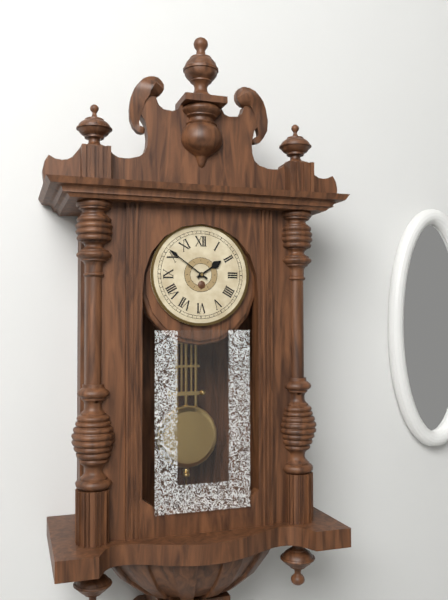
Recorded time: 1:51
